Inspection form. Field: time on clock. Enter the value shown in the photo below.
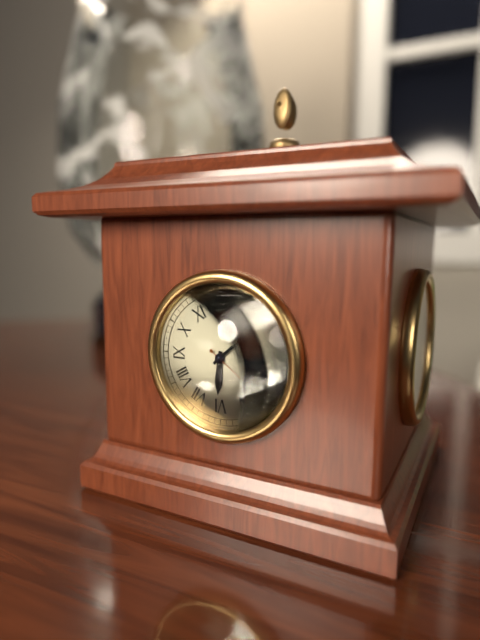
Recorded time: 6:08:21
